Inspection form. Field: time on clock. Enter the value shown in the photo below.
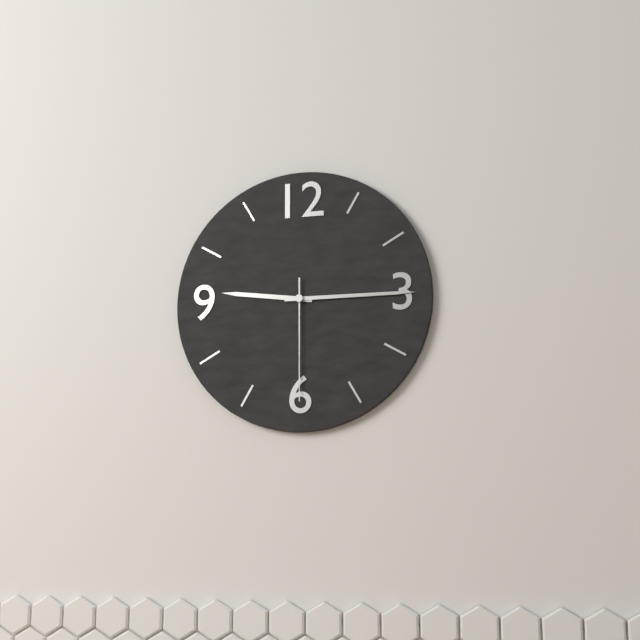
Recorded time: 9:15:30
